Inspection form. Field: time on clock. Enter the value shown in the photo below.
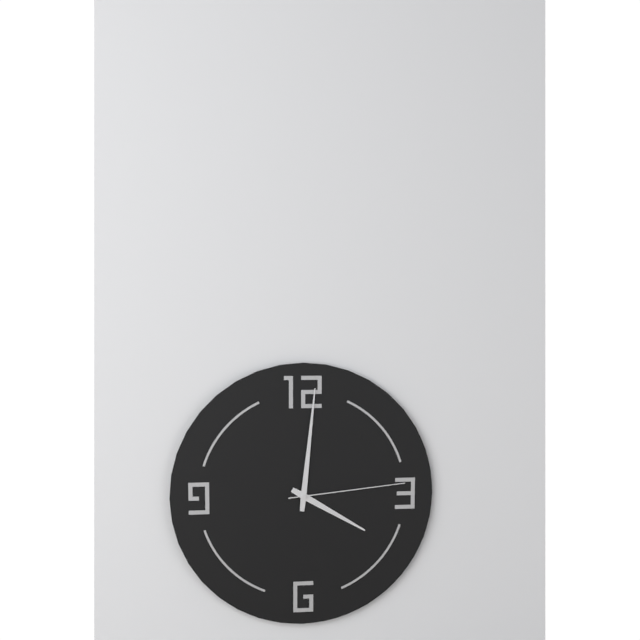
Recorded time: 4:01:14
